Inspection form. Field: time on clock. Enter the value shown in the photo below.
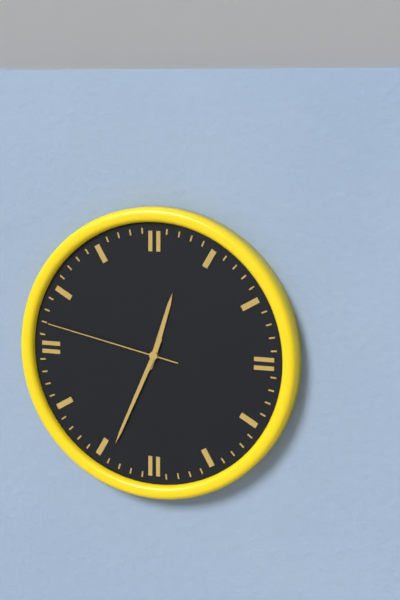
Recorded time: 12:34:47
